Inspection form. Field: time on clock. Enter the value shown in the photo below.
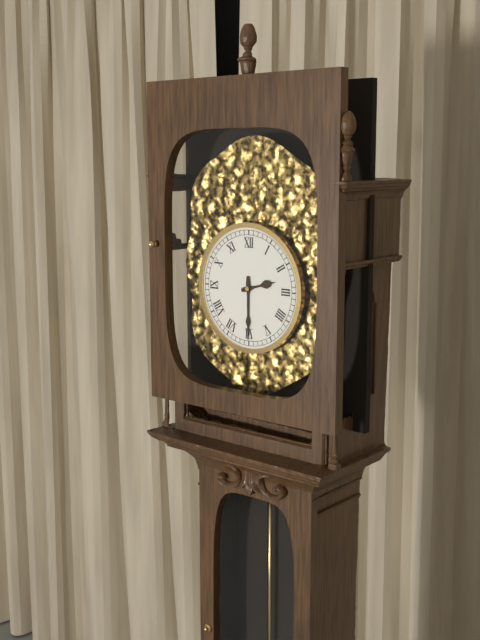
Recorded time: 2:30
